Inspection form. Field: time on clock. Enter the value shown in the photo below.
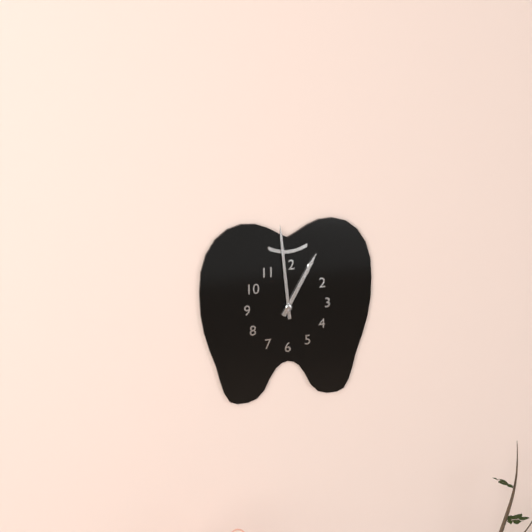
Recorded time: 12:59
